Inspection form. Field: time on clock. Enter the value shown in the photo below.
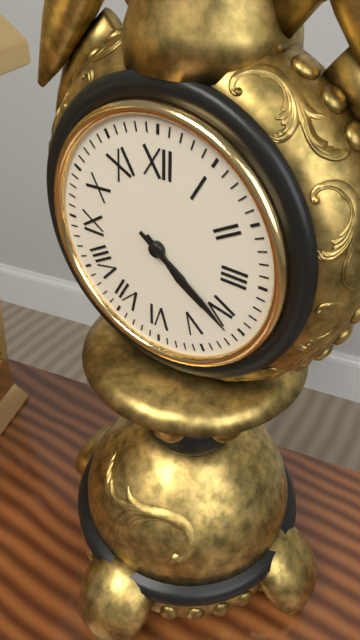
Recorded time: 4:21
